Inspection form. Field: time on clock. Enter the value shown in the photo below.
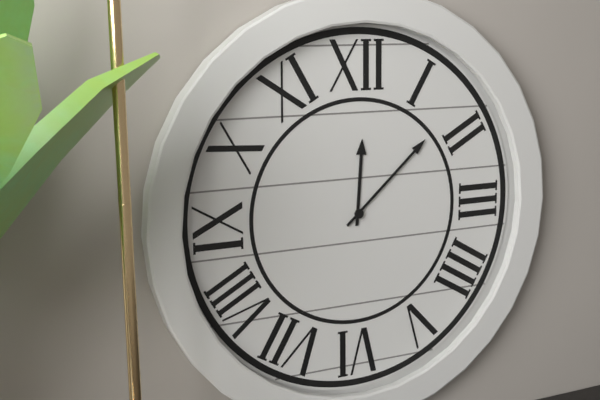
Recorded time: 12:08
